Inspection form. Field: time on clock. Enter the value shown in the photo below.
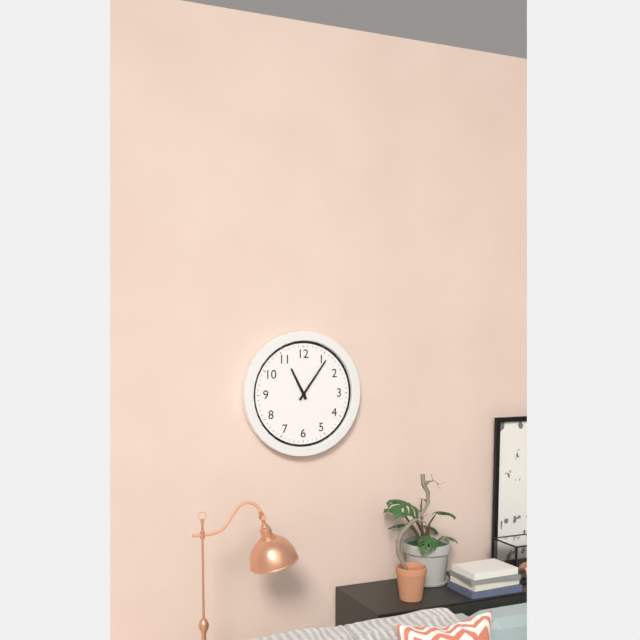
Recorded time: 11:06
